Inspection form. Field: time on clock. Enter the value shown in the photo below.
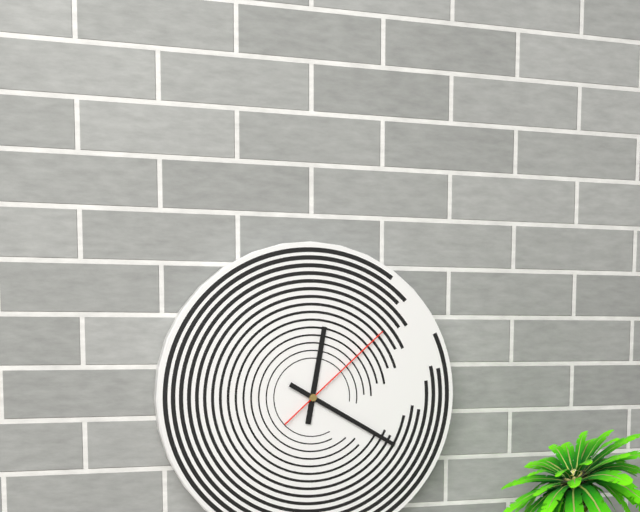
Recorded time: 12:20:08
